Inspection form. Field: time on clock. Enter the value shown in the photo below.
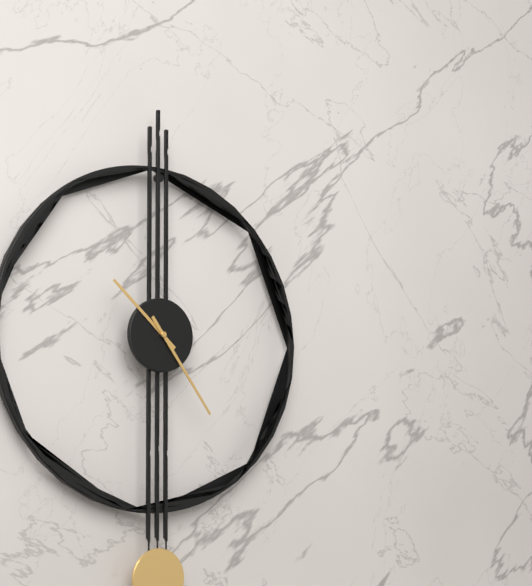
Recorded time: 10:24
